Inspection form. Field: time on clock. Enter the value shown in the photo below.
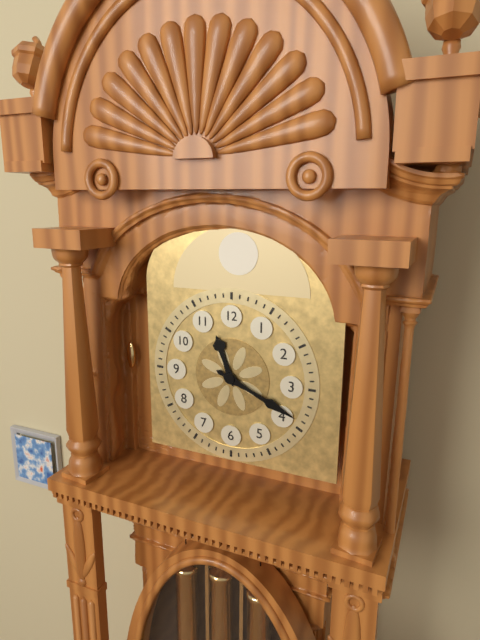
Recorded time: 11:19
